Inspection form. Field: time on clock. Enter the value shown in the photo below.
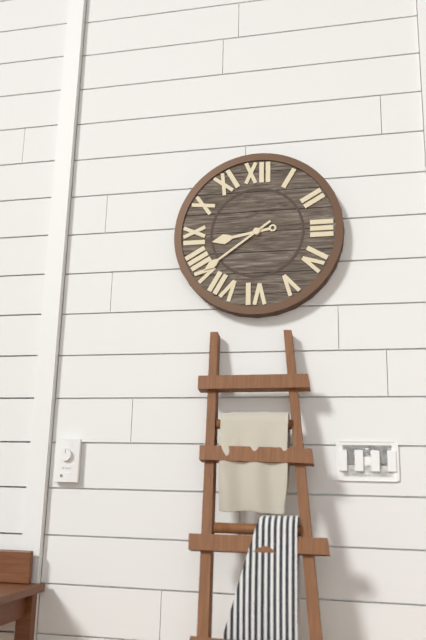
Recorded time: 8:39
